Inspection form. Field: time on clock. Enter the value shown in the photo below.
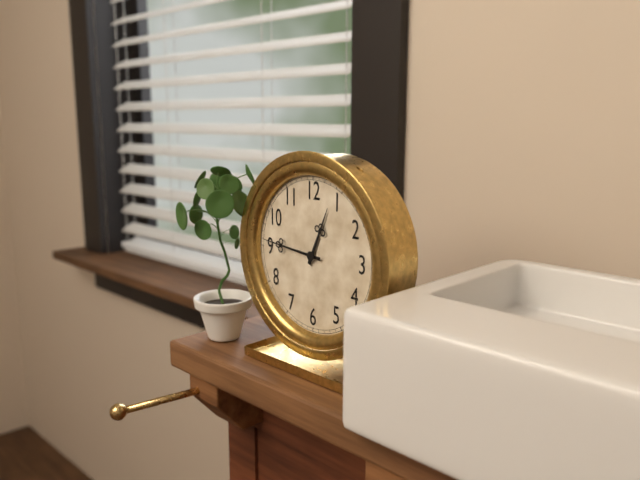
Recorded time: 12:46
